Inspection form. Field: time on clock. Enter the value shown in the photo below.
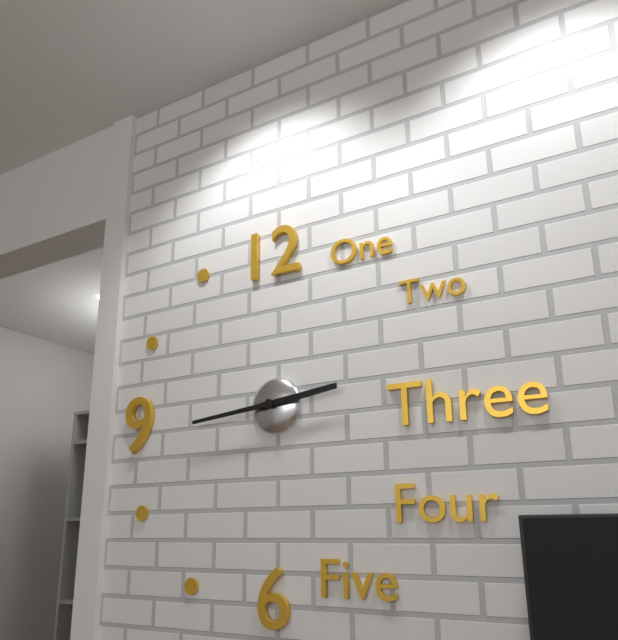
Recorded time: 2:44
